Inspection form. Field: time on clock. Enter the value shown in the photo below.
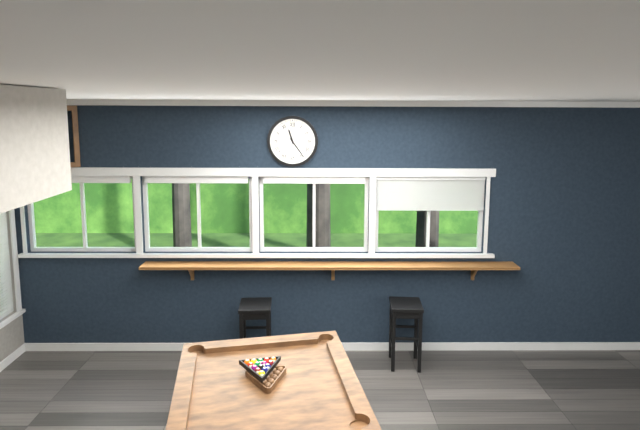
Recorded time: 11:24
